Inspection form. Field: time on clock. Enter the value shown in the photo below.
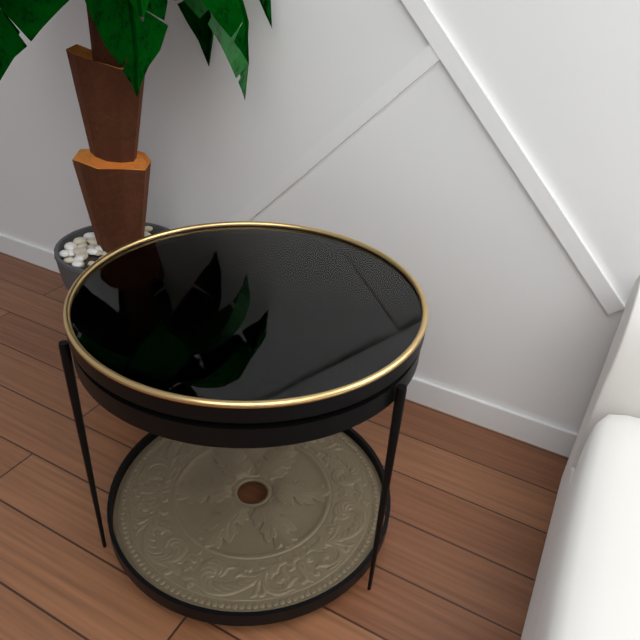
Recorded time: 10:27
